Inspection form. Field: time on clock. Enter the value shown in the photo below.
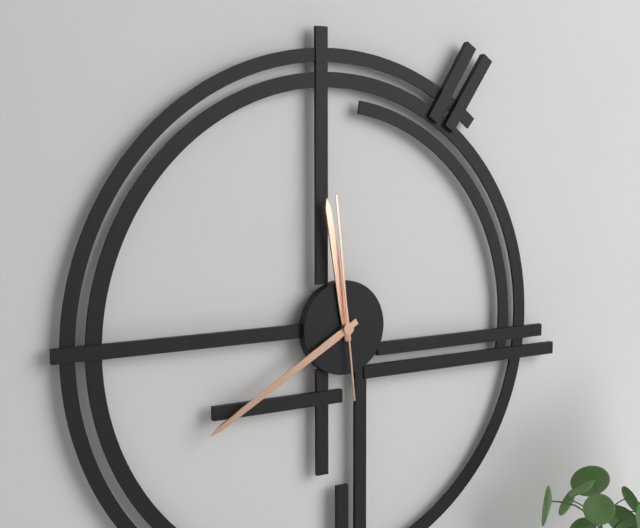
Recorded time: 11:40:59
